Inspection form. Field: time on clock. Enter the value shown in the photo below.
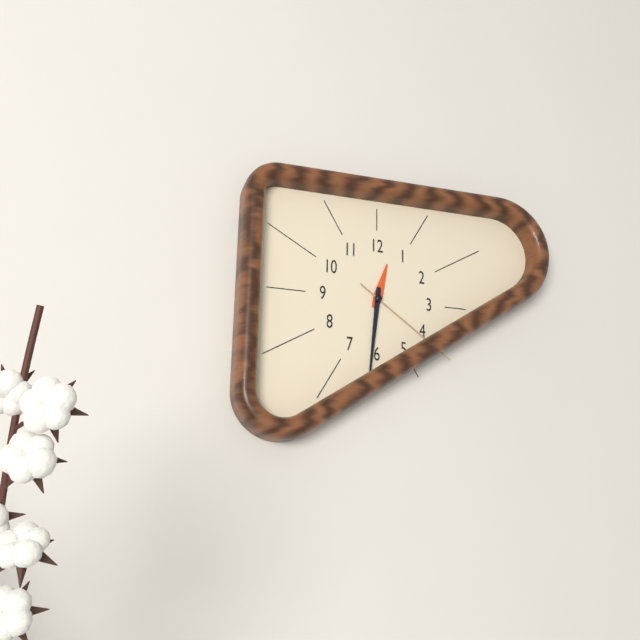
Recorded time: 12:31:21
